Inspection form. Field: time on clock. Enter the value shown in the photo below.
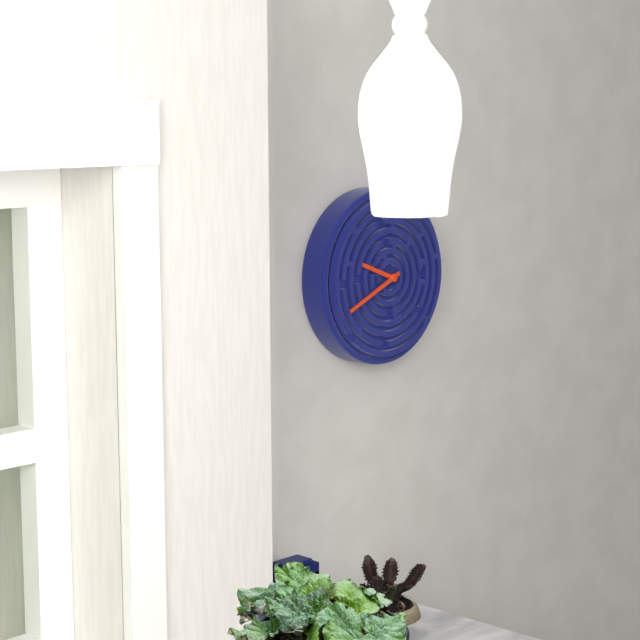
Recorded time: 9:41
